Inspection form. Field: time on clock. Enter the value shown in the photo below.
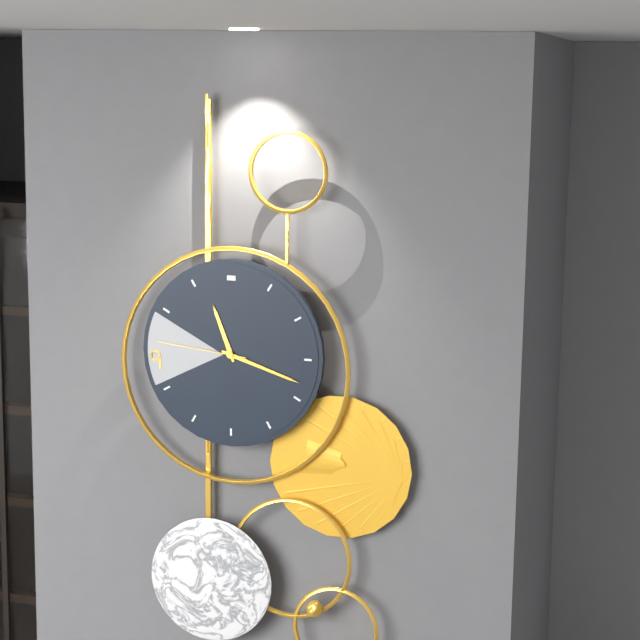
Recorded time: 11:18:46
